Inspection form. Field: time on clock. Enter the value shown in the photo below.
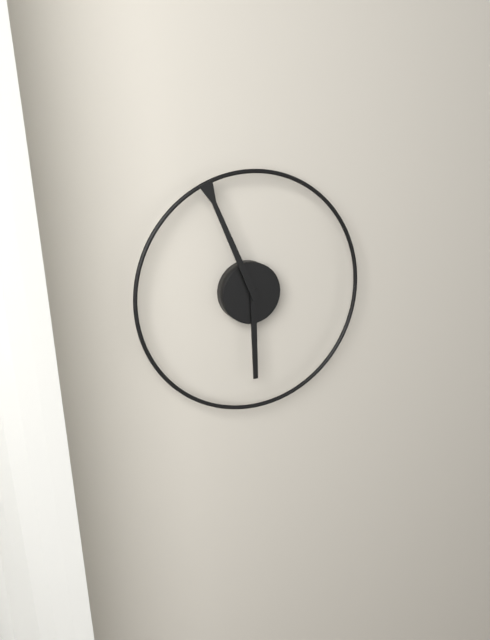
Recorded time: 5:56
